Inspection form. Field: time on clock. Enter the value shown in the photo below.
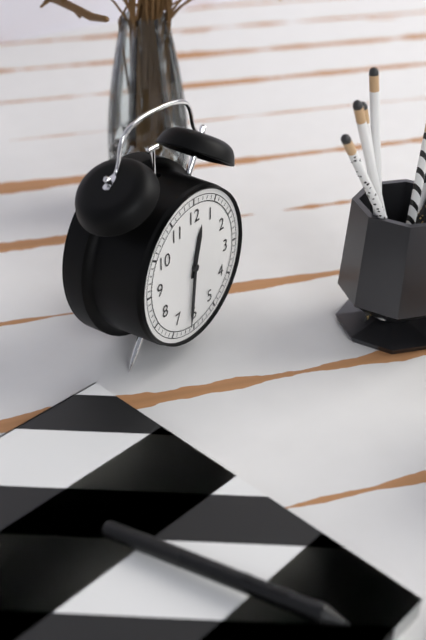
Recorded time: 12:31
